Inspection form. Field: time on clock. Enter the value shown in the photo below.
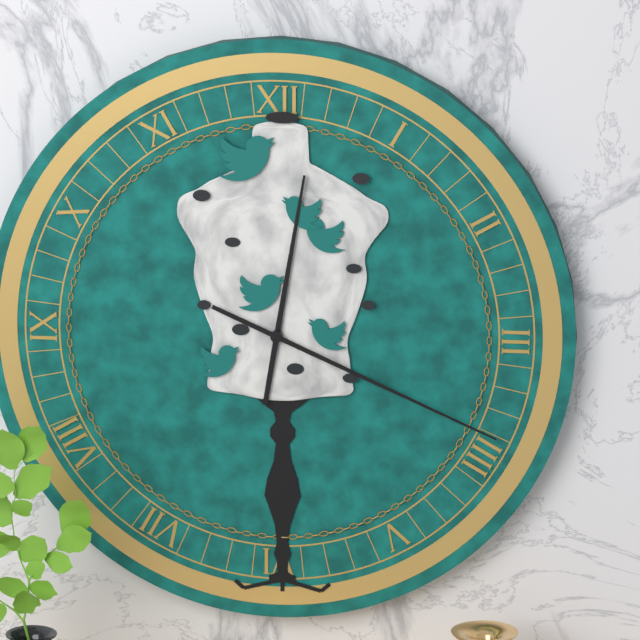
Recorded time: 12:19
